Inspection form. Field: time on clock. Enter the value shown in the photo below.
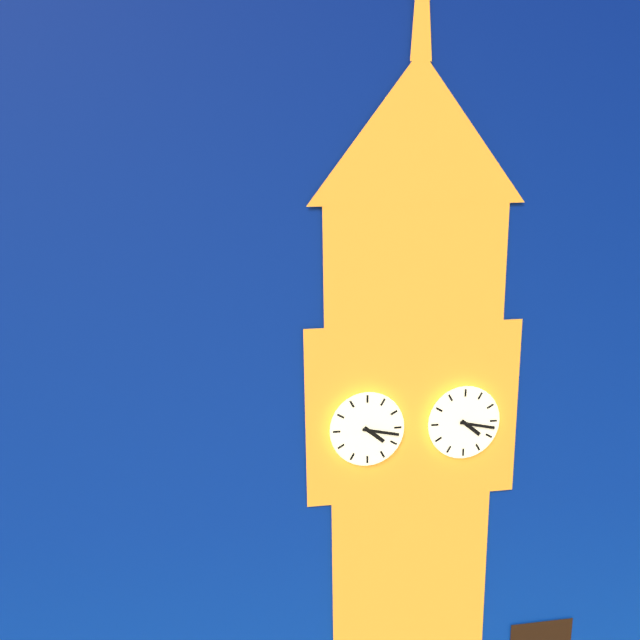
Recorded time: 4:17
